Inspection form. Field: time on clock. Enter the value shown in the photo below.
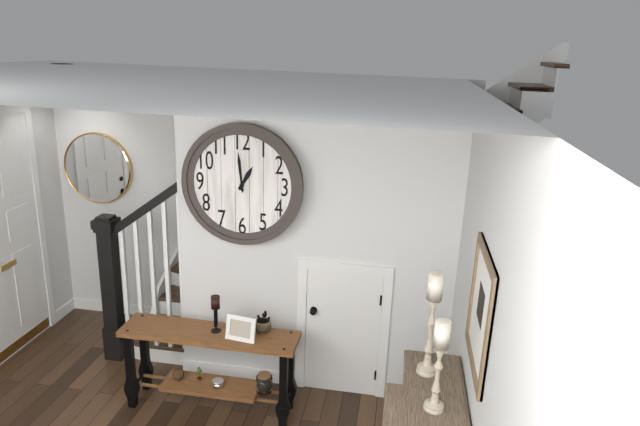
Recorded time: 12:59
